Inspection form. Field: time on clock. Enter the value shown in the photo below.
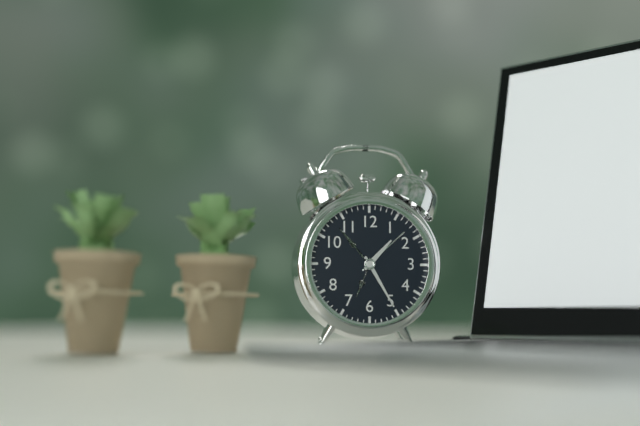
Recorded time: 1:25
